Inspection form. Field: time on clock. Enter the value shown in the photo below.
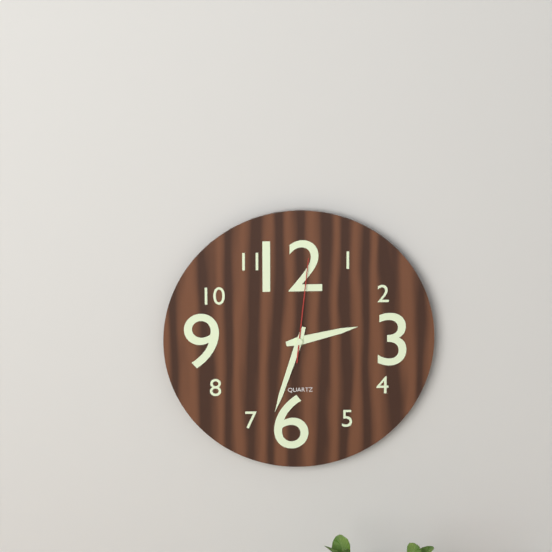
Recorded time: 2:33:01
